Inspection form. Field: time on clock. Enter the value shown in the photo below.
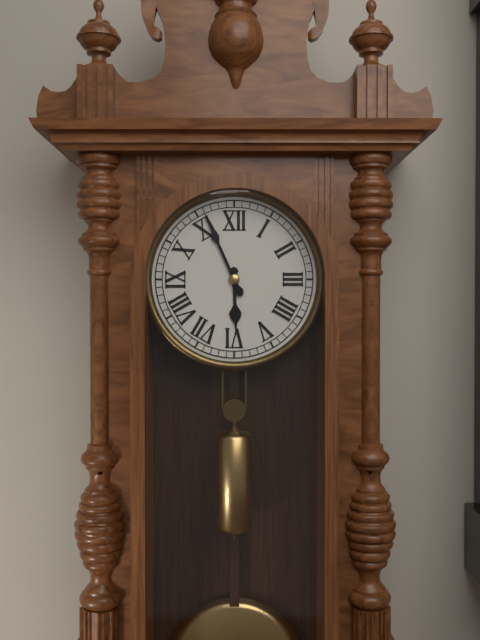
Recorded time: 5:56
